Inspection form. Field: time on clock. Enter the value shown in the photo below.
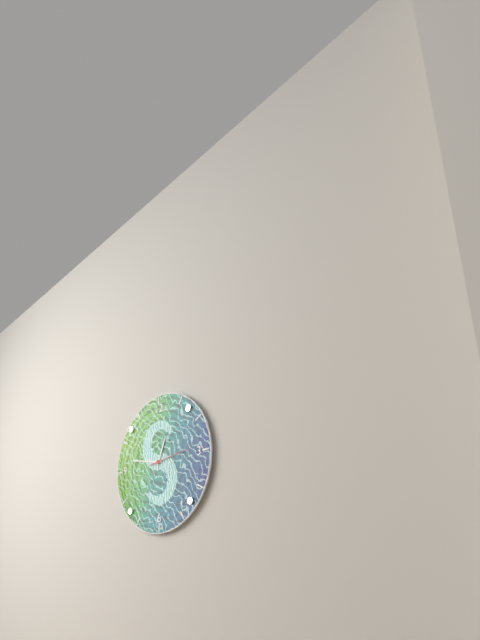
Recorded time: 12:47
